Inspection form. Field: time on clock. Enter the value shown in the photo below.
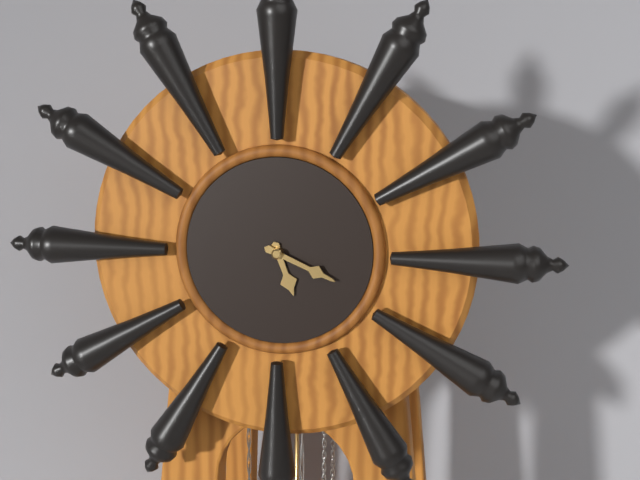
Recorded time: 5:19
